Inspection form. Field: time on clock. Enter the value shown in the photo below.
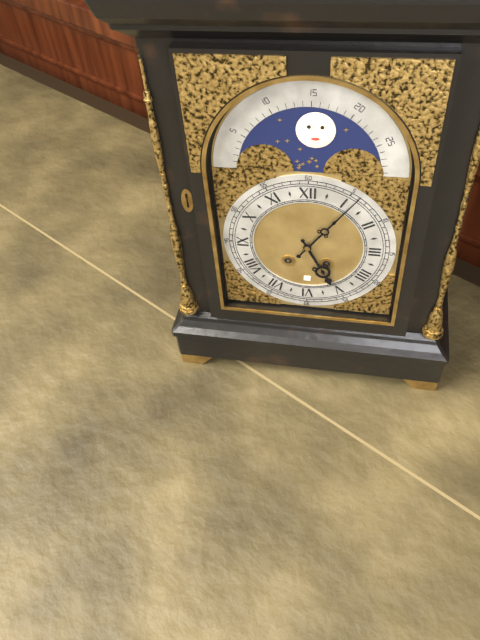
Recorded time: 5:06
